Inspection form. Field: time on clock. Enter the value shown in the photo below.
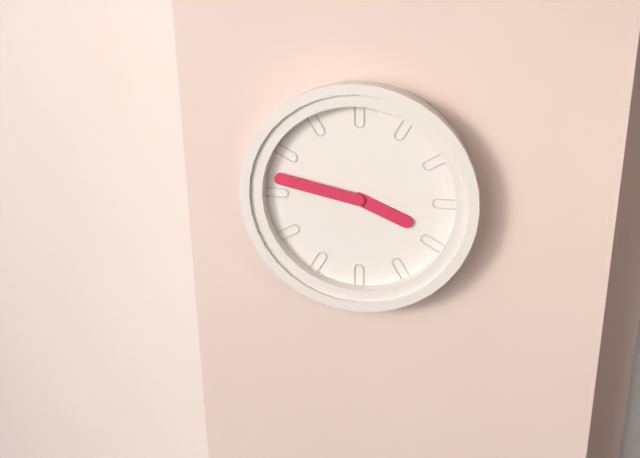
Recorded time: 3:47
